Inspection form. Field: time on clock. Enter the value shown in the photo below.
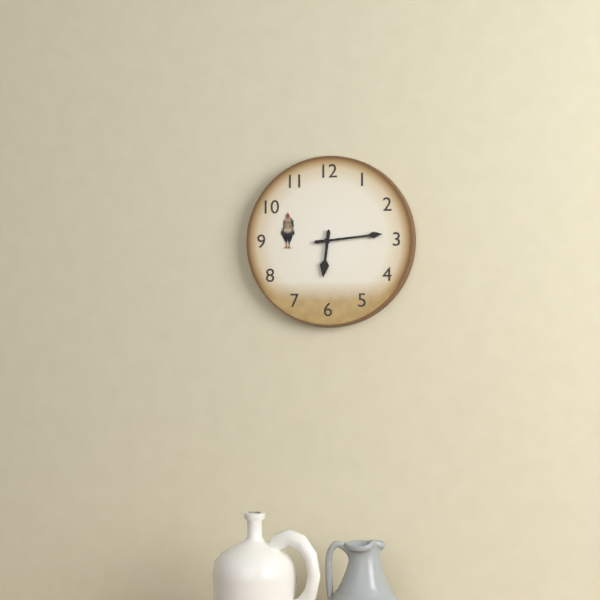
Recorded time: 6:14
